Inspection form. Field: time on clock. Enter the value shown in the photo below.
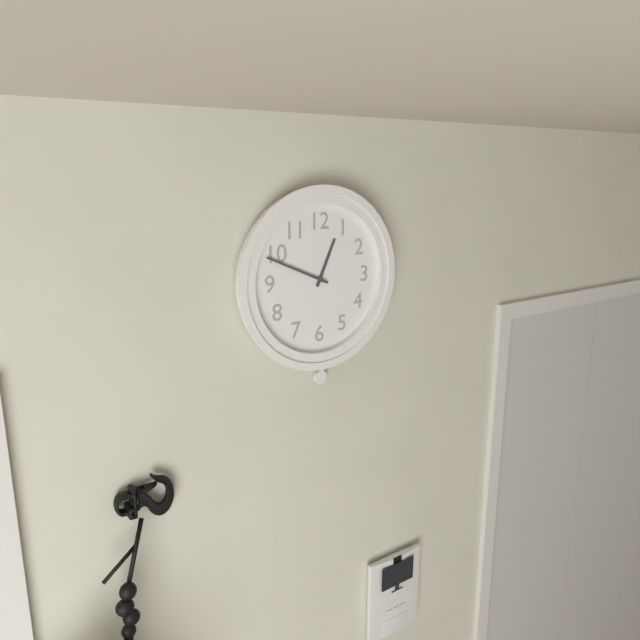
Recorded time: 12:49
